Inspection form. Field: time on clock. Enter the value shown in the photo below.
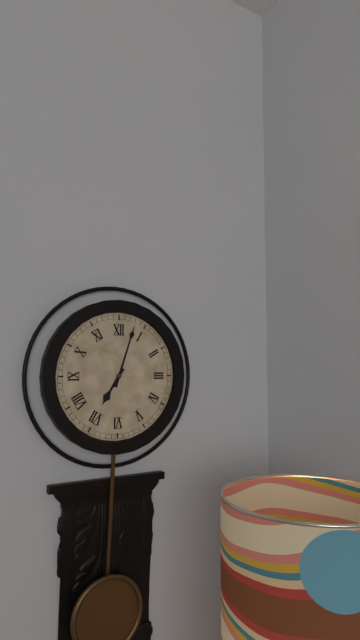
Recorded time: 7:03
